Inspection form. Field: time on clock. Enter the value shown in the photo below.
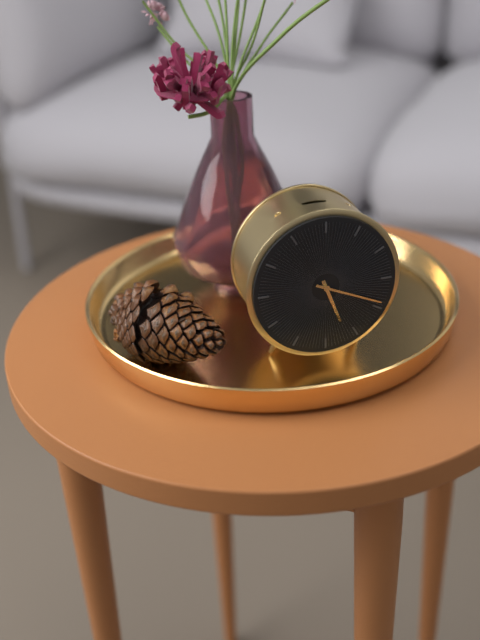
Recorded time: 5:19
